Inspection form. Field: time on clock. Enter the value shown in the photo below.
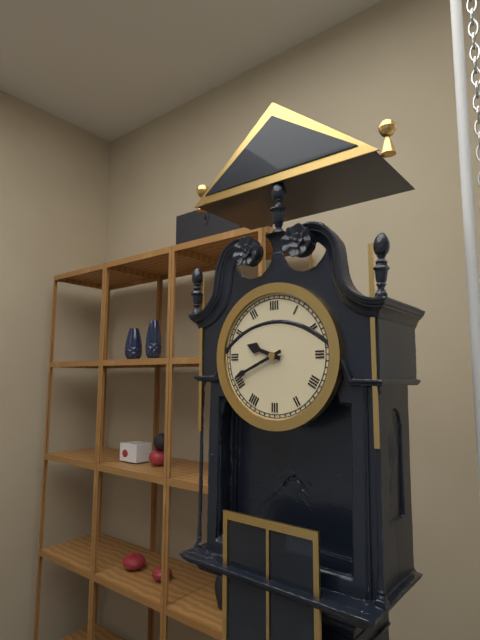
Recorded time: 9:41
